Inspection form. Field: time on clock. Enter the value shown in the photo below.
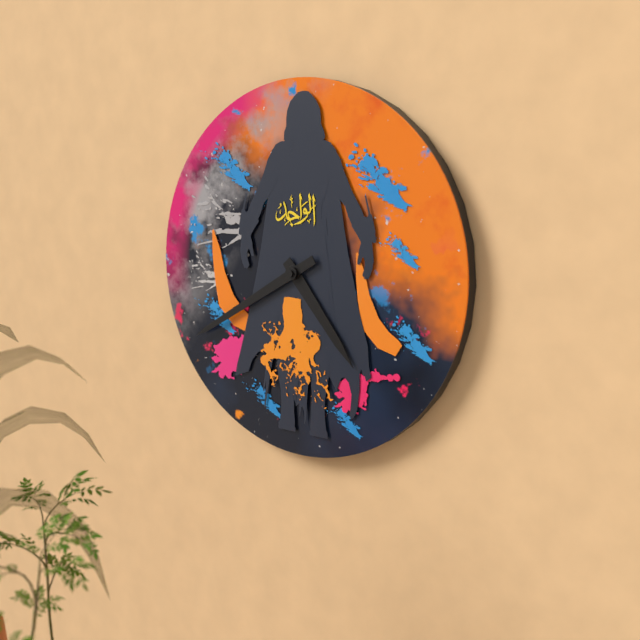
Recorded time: 4:40
